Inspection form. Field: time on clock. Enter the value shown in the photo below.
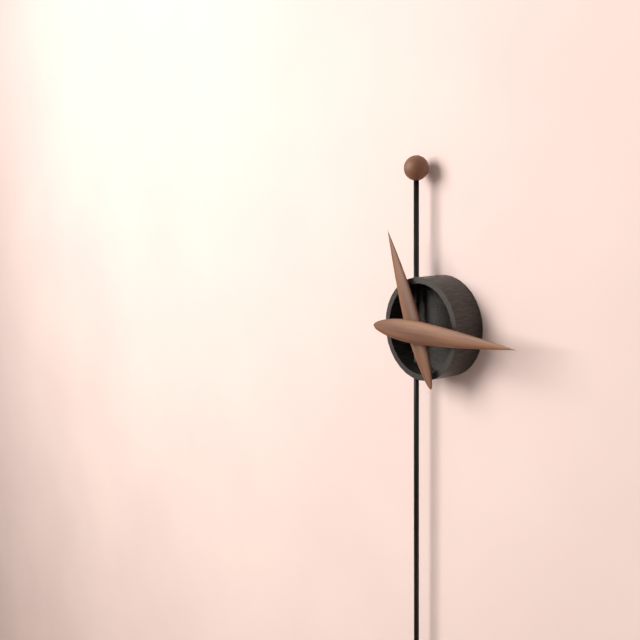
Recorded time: 11:15
